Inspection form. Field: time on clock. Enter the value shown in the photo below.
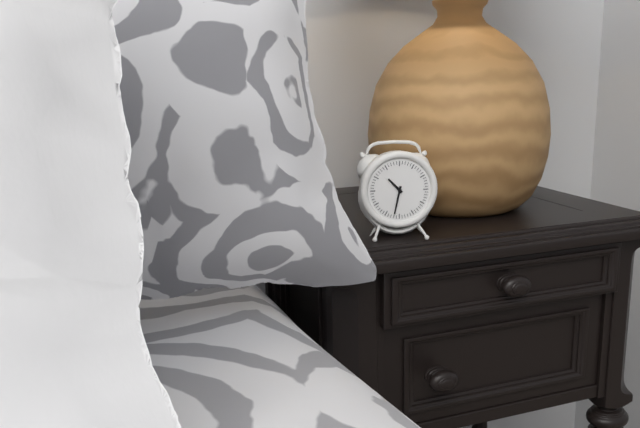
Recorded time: 10:32
